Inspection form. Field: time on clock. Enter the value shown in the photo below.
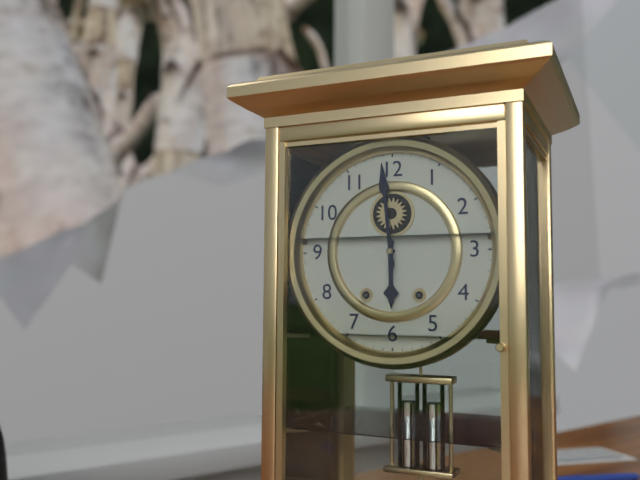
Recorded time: 5:59
